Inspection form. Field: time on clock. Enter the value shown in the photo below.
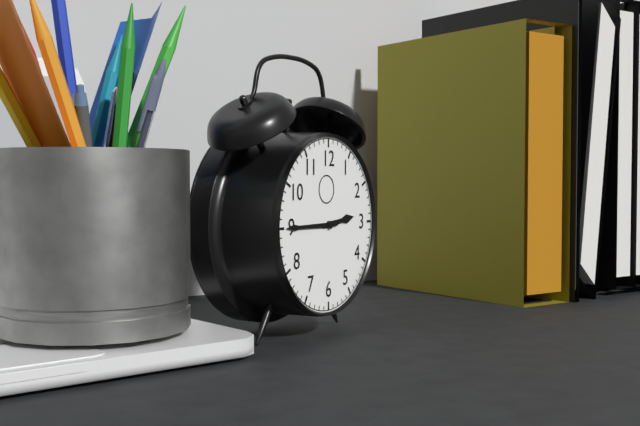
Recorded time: 2:45
